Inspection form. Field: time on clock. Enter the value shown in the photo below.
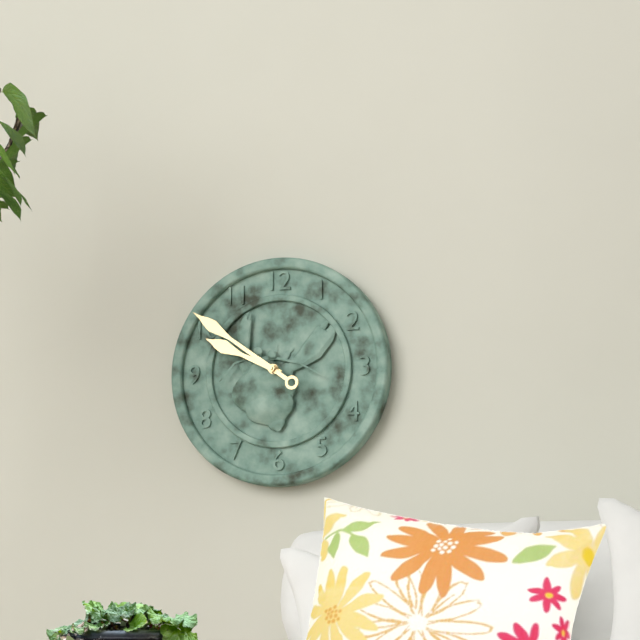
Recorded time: 9:51
